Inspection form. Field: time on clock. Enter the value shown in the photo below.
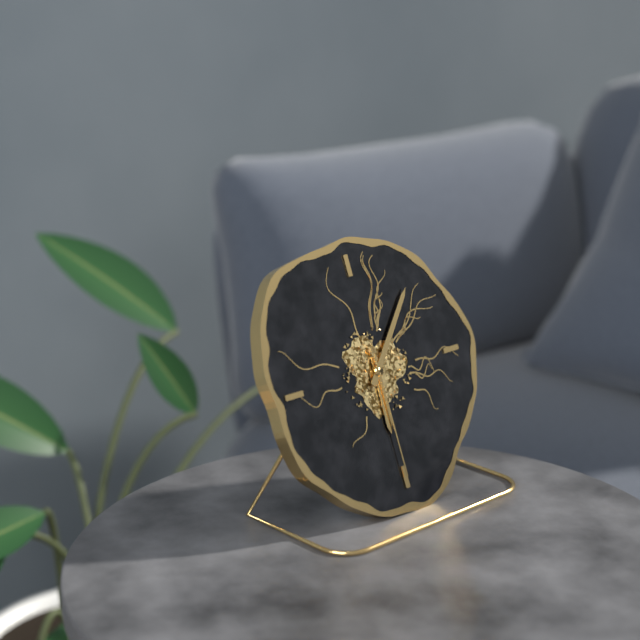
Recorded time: 6:07:30
